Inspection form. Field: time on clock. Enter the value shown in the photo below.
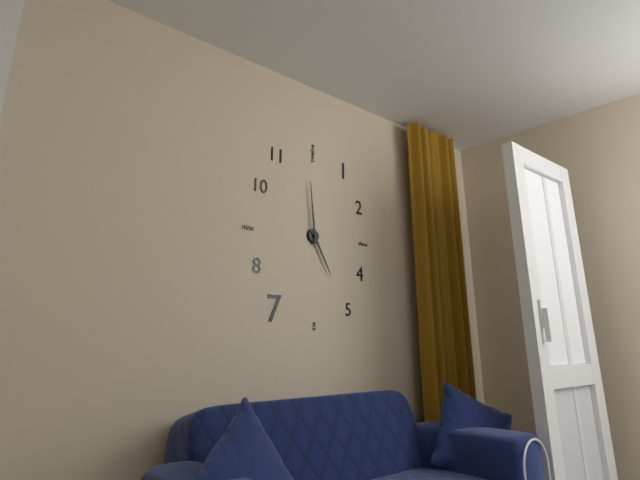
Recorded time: 4:59
